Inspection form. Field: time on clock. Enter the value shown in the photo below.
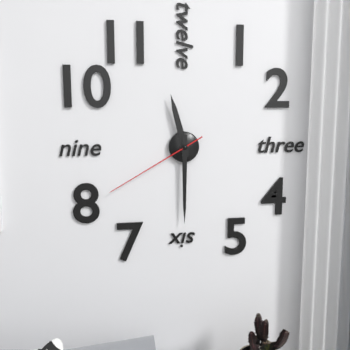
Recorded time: 11:30:40
